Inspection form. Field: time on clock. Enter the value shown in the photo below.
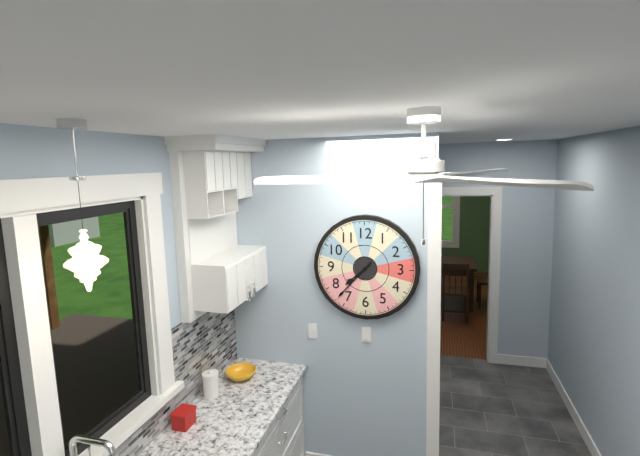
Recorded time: 7:37
